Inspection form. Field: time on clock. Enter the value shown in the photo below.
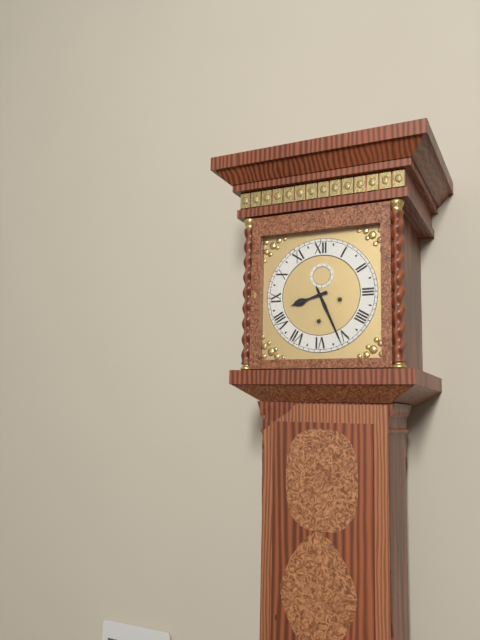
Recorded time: 8:26
